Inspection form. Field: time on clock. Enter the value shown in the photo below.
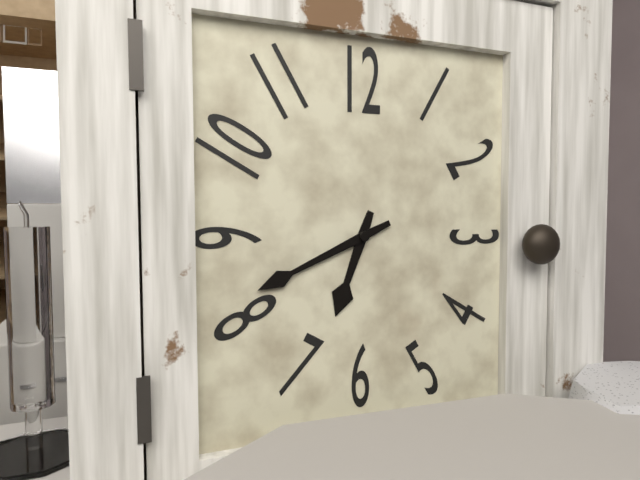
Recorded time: 6:41
